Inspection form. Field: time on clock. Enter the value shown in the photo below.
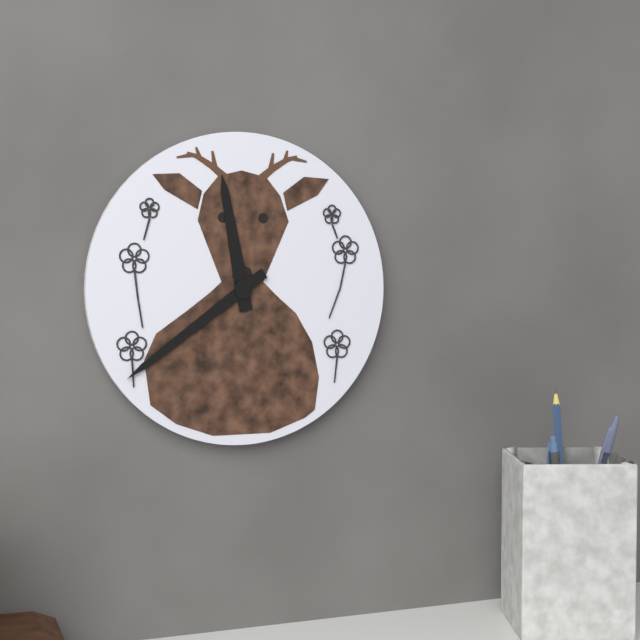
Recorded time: 11:39
